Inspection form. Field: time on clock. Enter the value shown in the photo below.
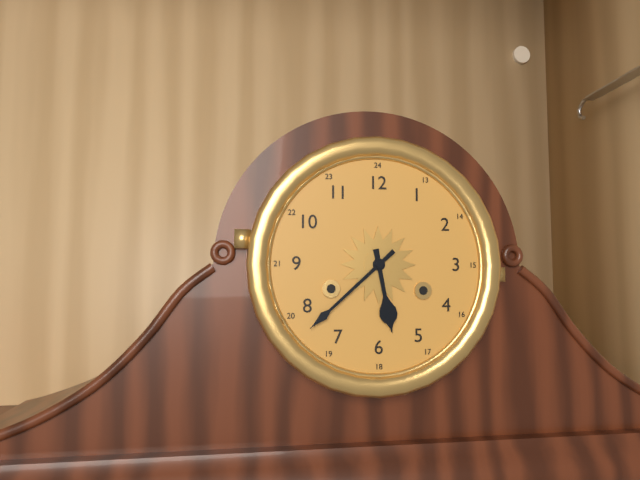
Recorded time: 5:38
